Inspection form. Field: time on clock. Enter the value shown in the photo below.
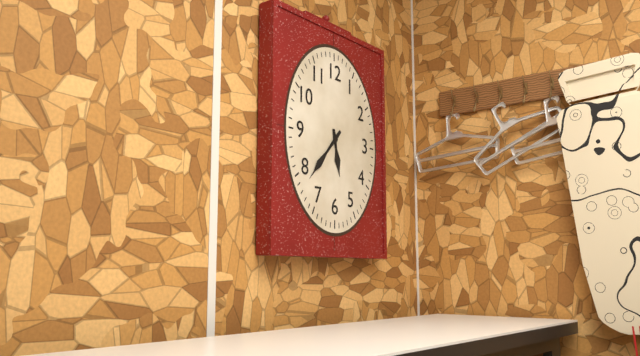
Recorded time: 5:37
